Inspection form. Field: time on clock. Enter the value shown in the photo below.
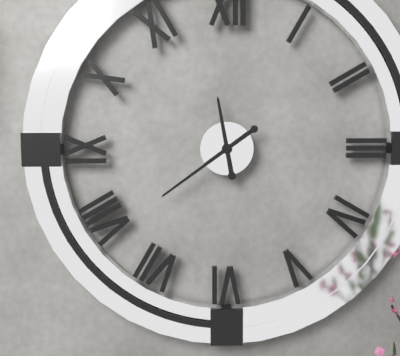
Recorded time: 11:39
